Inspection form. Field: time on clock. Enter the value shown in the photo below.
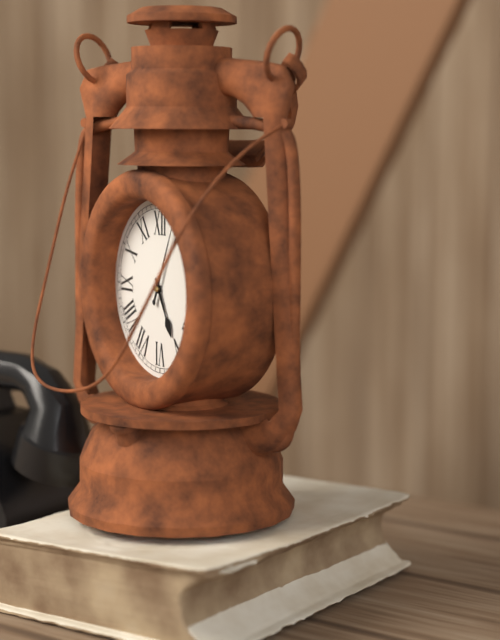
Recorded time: 5:04
